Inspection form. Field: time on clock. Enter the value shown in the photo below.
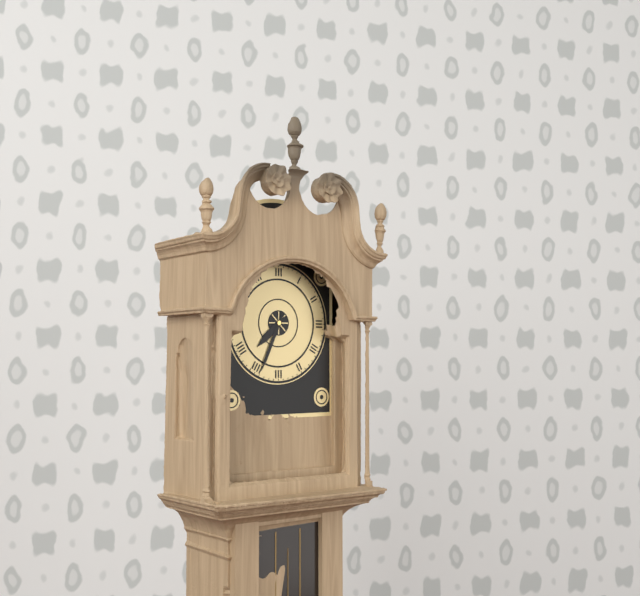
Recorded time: 7:34
